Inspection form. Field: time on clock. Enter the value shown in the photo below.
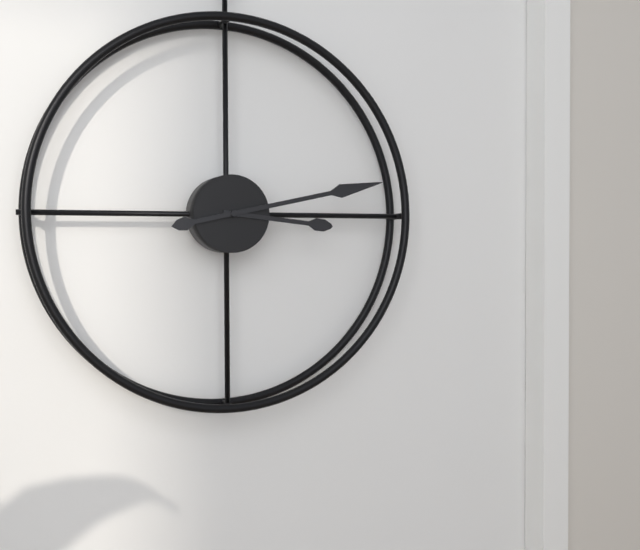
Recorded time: 3:13
